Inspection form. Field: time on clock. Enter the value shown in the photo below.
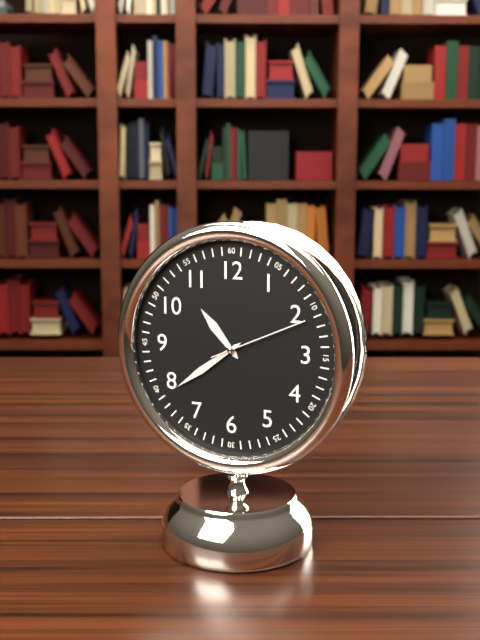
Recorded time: 10:39:11
